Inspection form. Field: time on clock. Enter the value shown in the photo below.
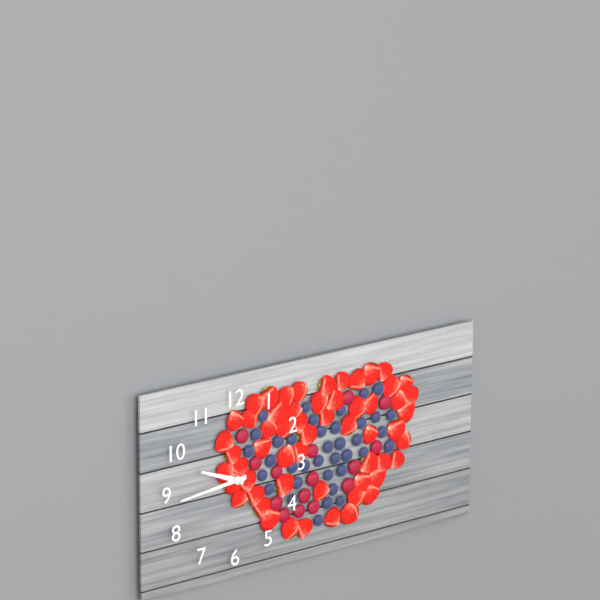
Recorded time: 9:44
